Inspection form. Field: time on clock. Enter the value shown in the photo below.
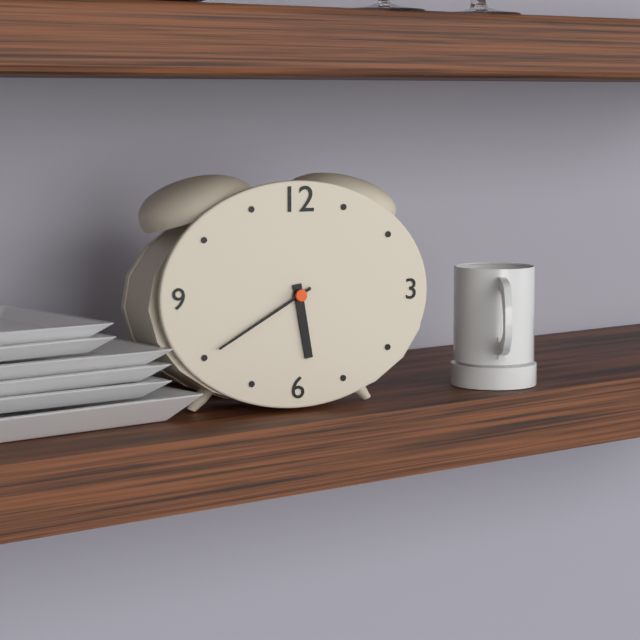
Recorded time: 5:40
